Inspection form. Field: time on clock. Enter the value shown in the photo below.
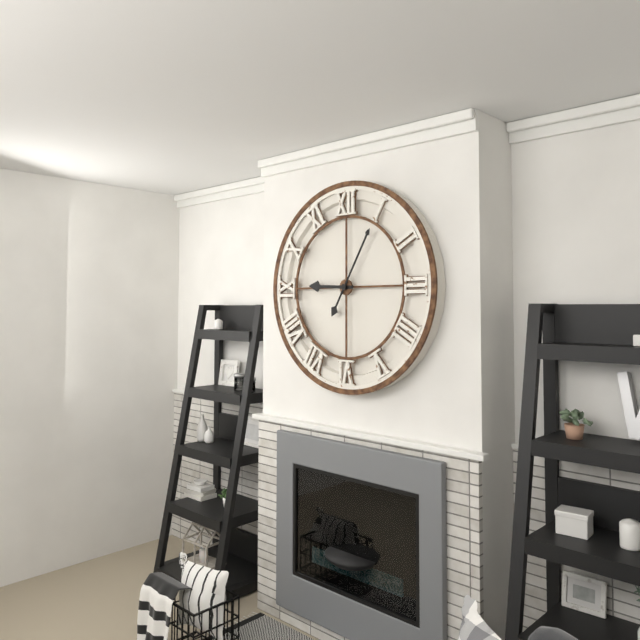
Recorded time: 9:05
